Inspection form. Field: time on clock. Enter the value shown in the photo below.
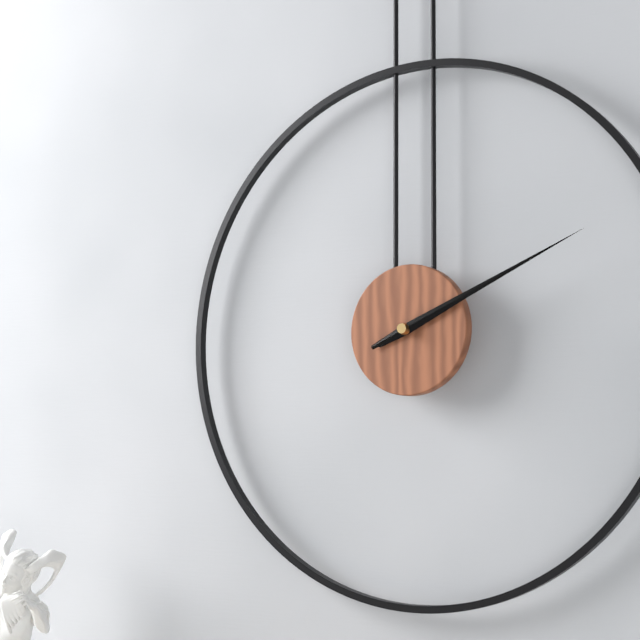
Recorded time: 2:11
